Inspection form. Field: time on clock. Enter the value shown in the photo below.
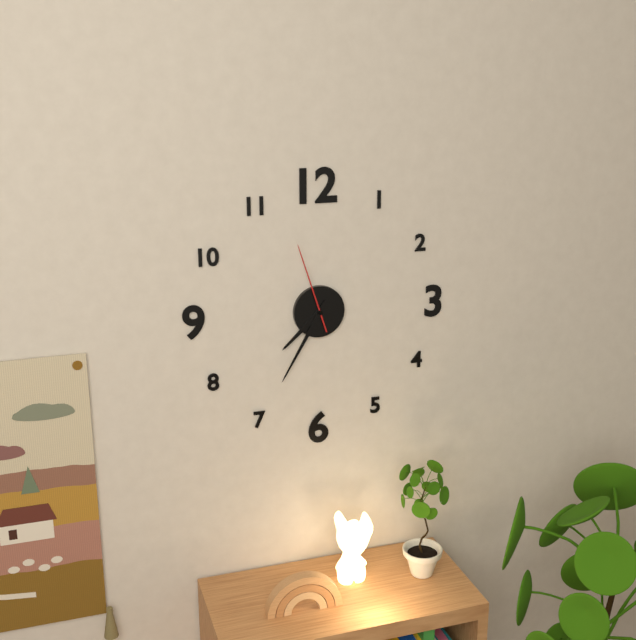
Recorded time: 7:35:57
